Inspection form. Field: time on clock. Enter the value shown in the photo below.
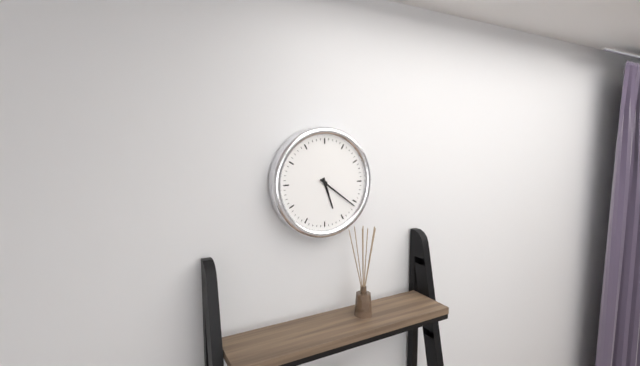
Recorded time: 5:21
